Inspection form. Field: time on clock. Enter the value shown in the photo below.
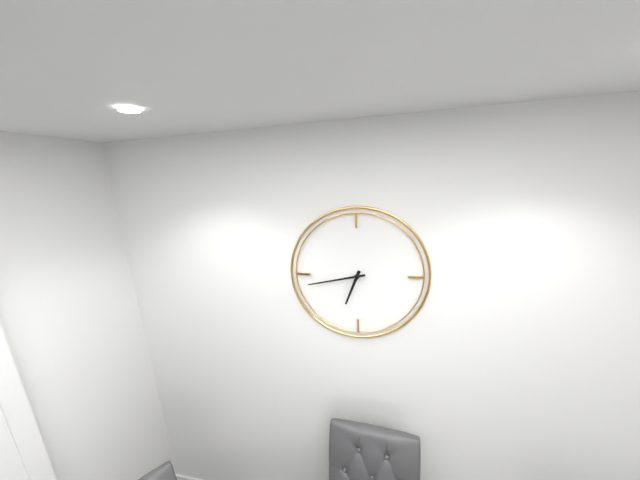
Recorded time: 6:43
